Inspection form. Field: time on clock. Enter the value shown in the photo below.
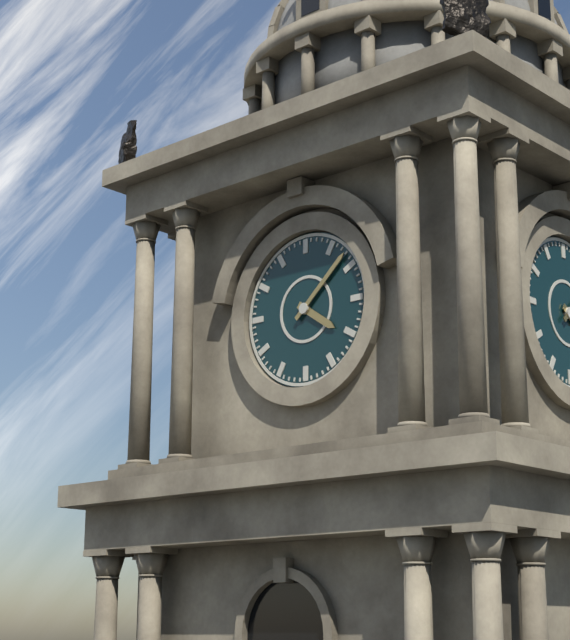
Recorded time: 4:08
